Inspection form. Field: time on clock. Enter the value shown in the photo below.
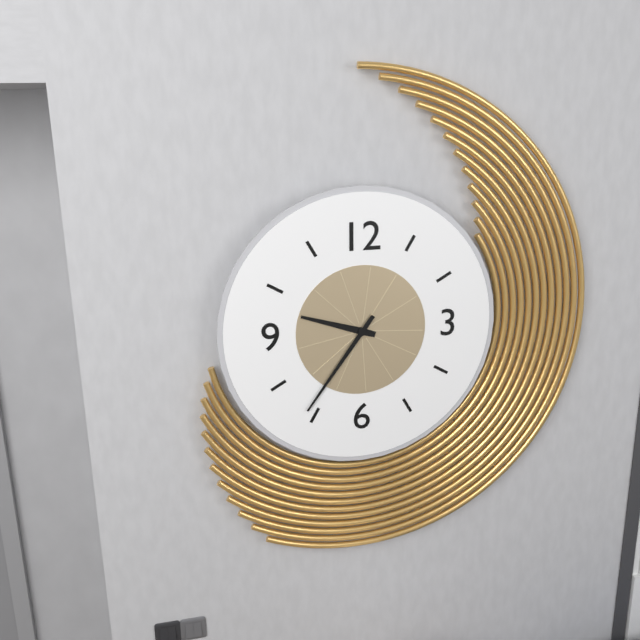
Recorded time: 9:36
